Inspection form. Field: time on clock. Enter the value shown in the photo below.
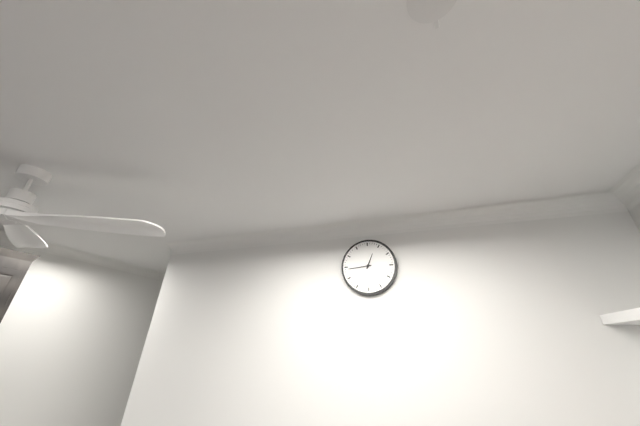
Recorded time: 12:44
